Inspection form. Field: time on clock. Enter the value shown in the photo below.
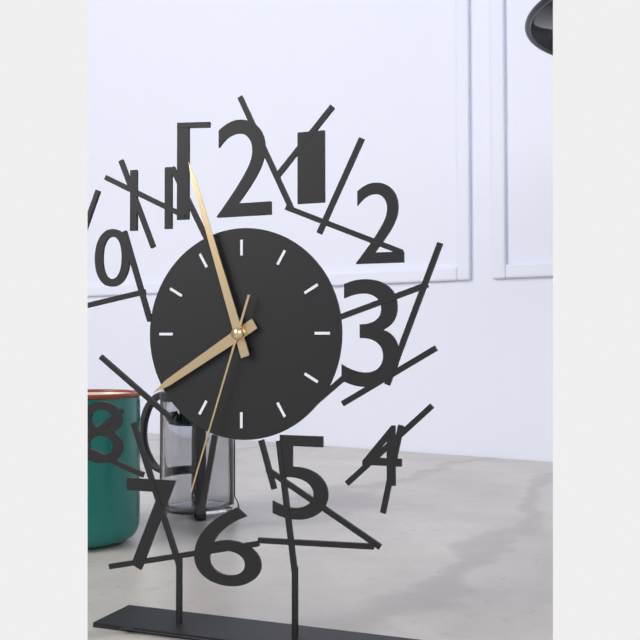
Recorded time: 7:57:33
